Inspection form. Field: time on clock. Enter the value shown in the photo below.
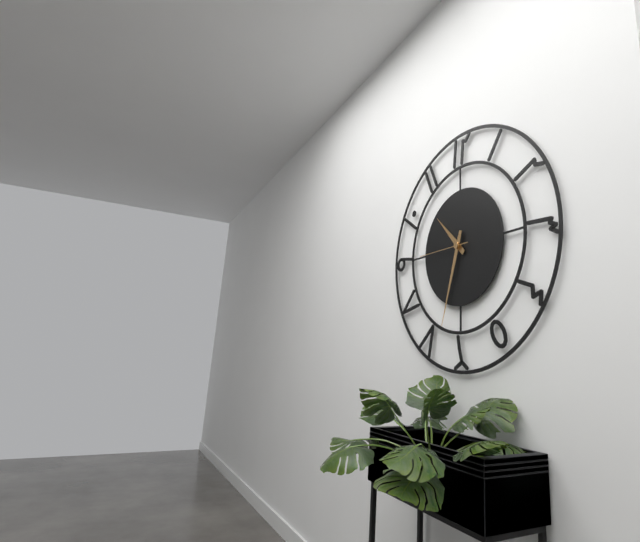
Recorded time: 10:33
